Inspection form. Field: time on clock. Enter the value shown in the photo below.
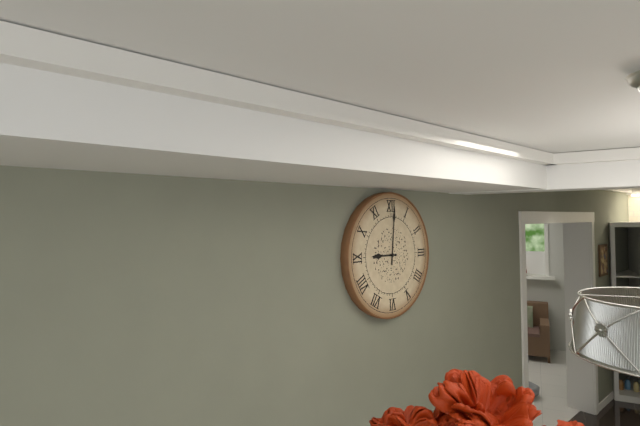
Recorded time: 9:01
